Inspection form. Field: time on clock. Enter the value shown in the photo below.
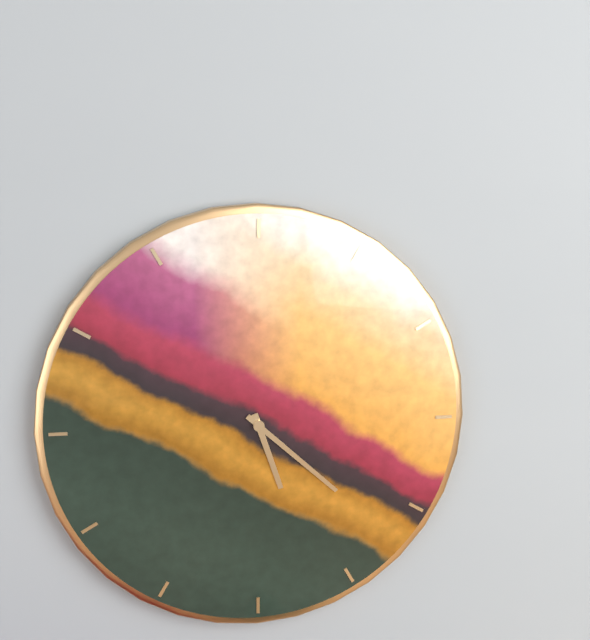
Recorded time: 5:22
